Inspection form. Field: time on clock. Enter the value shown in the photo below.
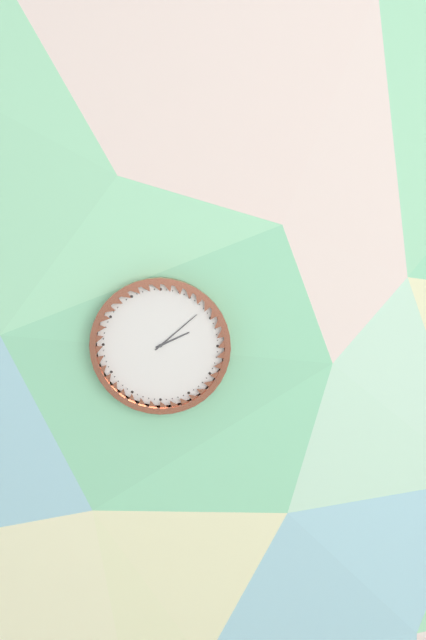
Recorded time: 2:08
